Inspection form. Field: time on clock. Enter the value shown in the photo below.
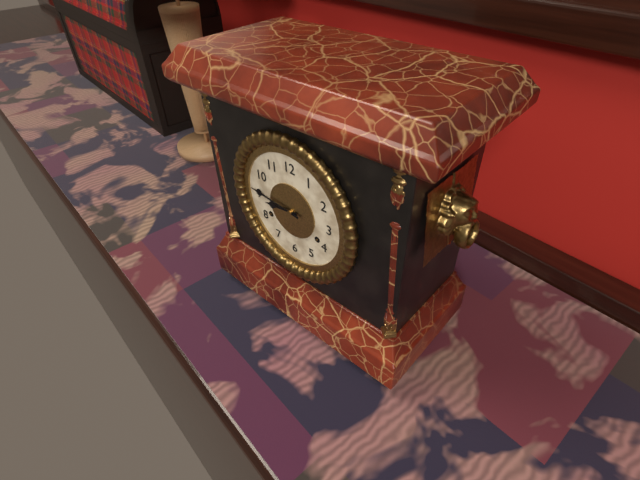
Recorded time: 8:46
